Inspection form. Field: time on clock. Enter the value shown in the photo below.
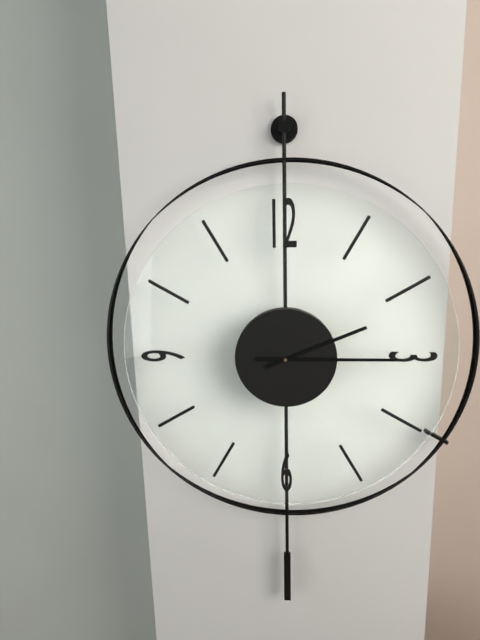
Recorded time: 2:15
